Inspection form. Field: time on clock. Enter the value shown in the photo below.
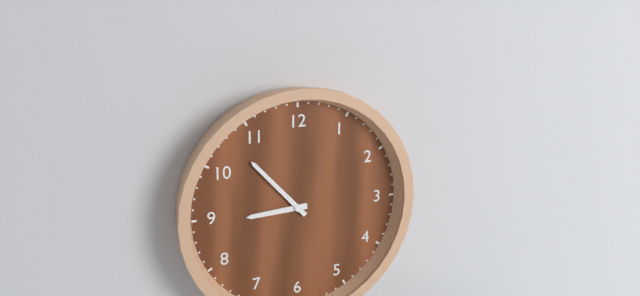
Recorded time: 8:53
